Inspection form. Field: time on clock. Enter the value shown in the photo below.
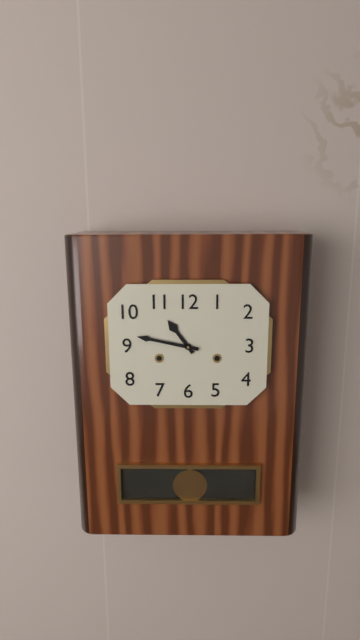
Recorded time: 10:47
